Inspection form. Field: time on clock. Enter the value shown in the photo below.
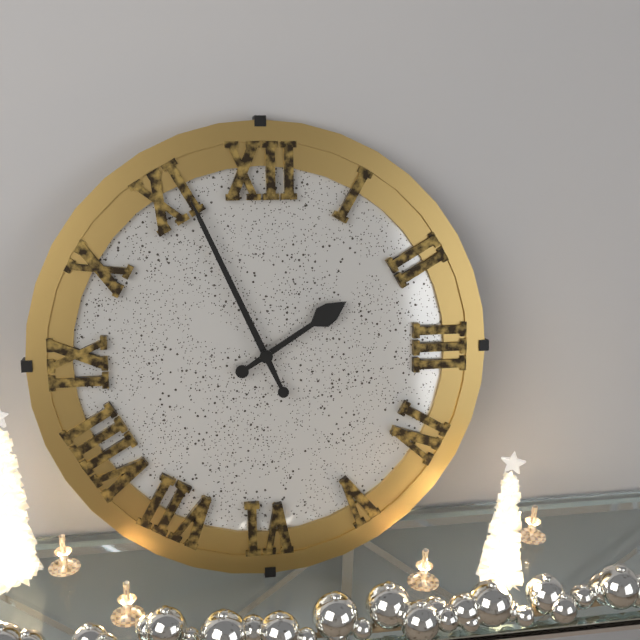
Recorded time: 1:56
